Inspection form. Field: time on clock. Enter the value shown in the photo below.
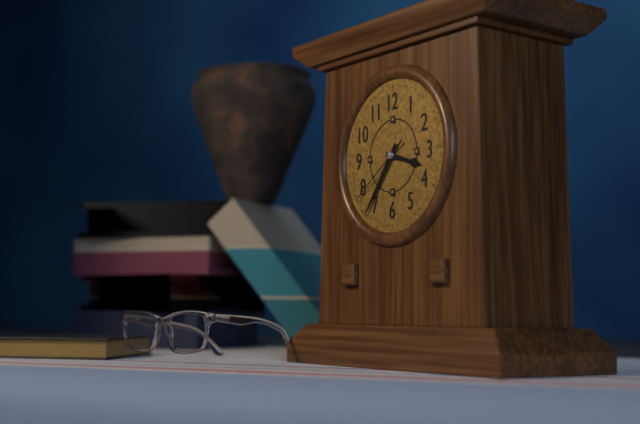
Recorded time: 3:36:39
